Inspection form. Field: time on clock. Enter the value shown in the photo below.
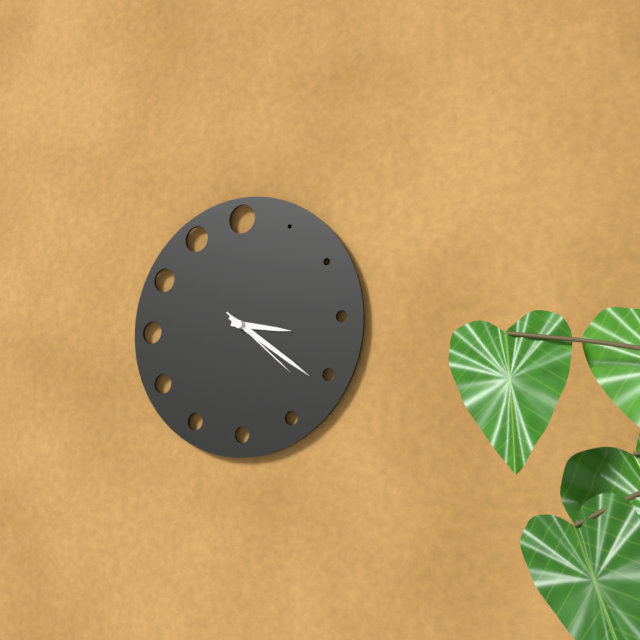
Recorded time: 3:21:22
